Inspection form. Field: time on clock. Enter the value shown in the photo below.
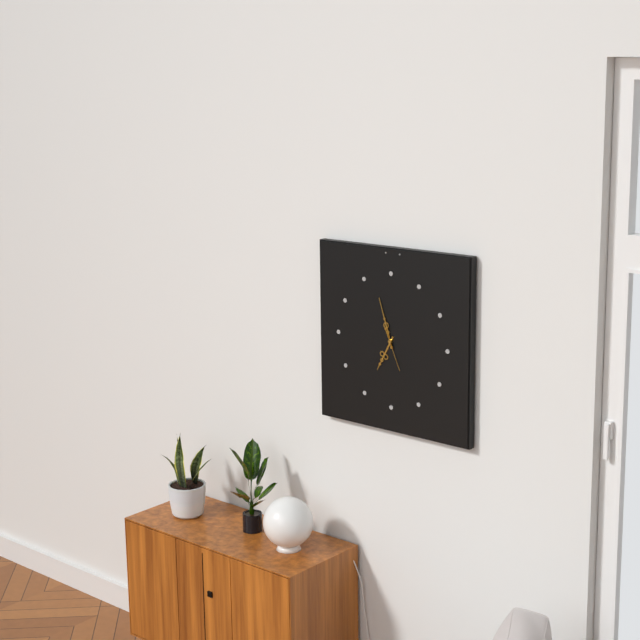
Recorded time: 6:57
